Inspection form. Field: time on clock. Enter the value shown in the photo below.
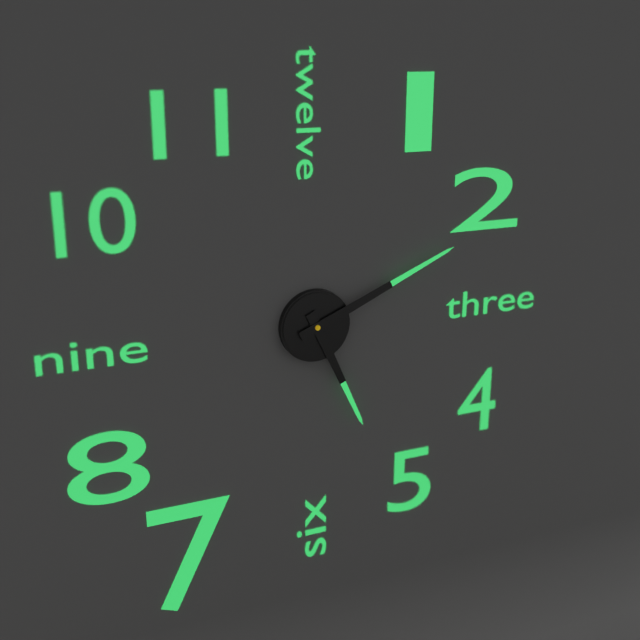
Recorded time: 5:11
